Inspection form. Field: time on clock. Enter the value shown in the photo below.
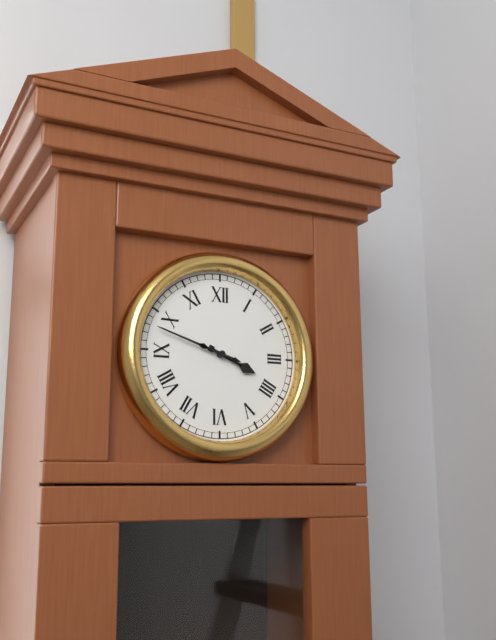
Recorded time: 3:48
